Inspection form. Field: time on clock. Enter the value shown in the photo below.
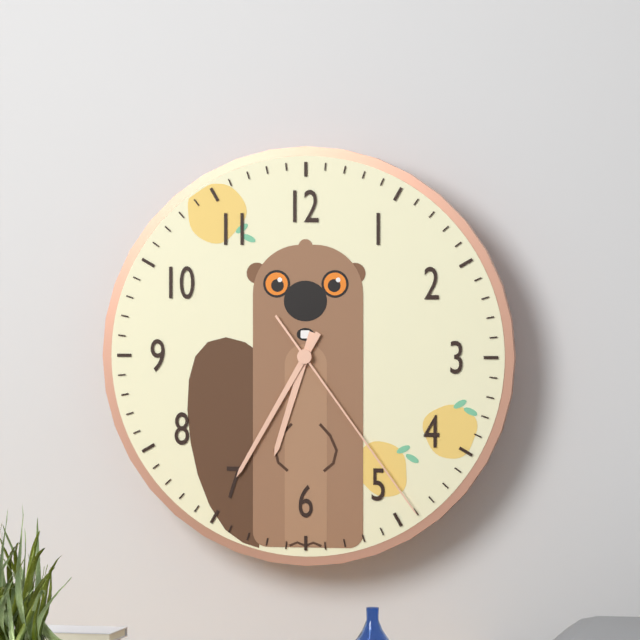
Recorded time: 6:35:24
